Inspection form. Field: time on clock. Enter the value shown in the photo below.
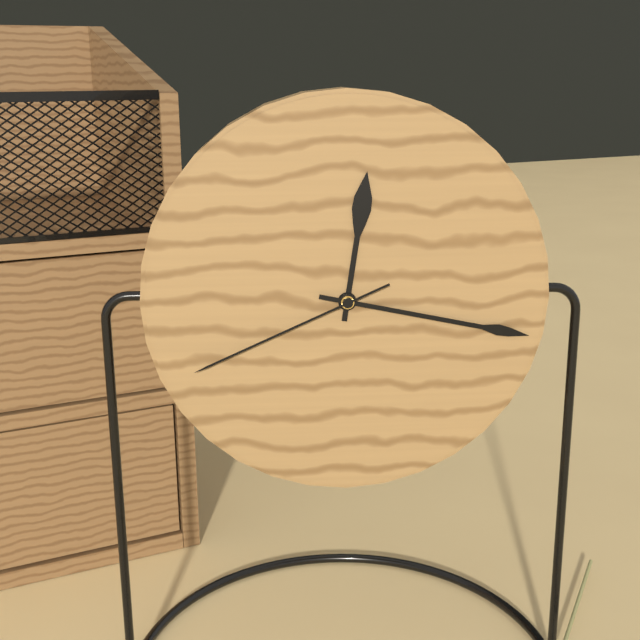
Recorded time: 12:17:41
